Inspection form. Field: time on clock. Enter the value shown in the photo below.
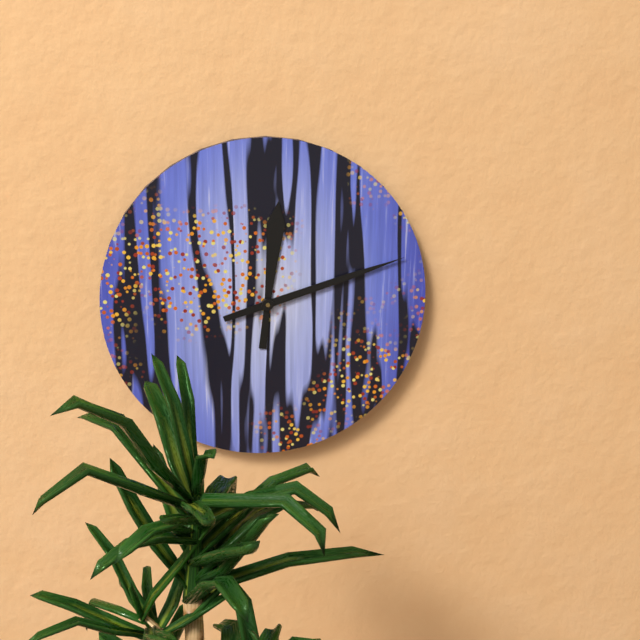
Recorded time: 12:12
